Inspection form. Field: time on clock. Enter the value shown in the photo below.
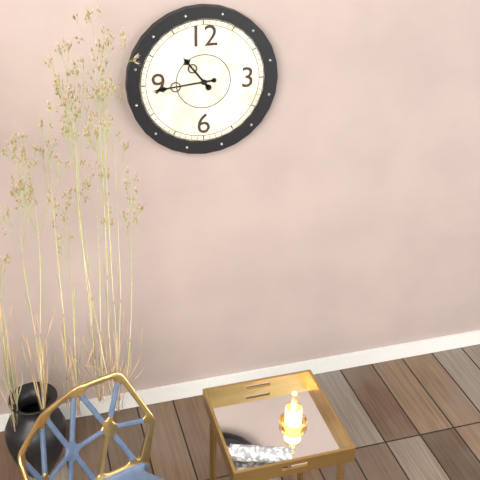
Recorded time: 10:44
